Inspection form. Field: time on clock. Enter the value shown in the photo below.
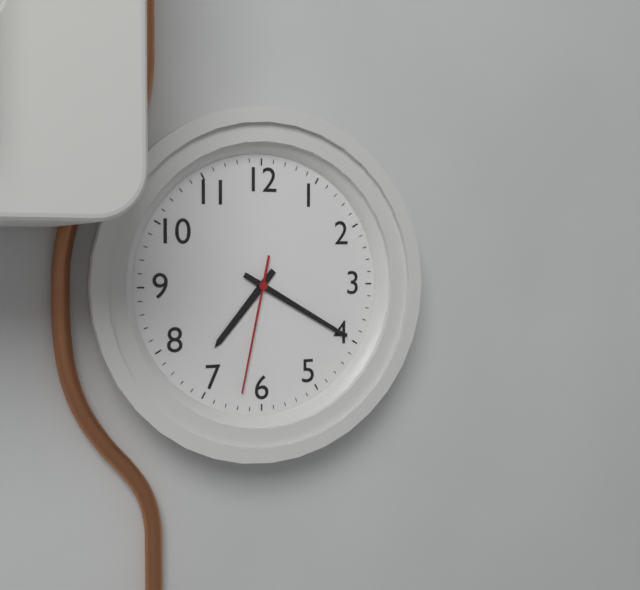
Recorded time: 7:20:32
